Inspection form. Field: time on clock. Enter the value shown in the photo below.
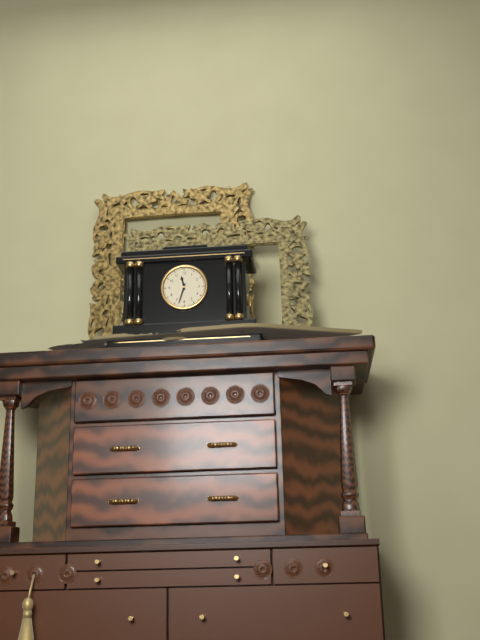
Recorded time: 11:33
